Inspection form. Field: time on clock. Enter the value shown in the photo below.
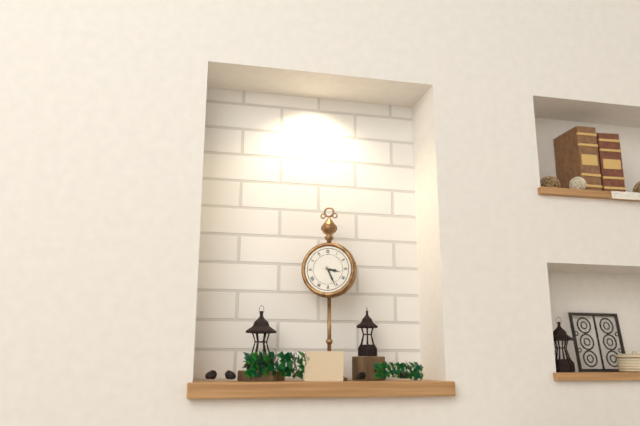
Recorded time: 3:26
